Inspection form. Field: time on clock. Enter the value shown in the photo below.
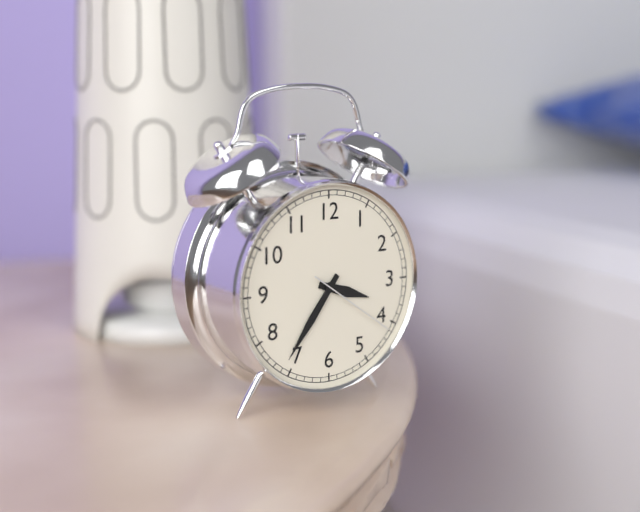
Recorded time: 3:36:21
